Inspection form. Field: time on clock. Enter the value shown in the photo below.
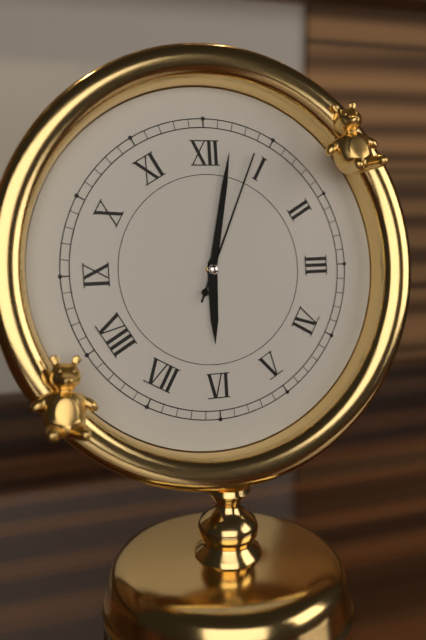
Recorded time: 6:02:04
